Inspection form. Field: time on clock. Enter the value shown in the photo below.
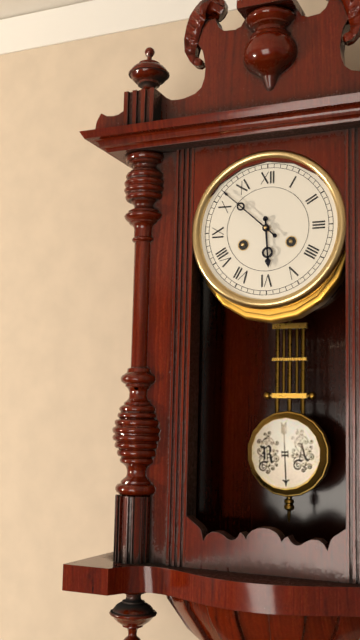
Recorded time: 5:52
